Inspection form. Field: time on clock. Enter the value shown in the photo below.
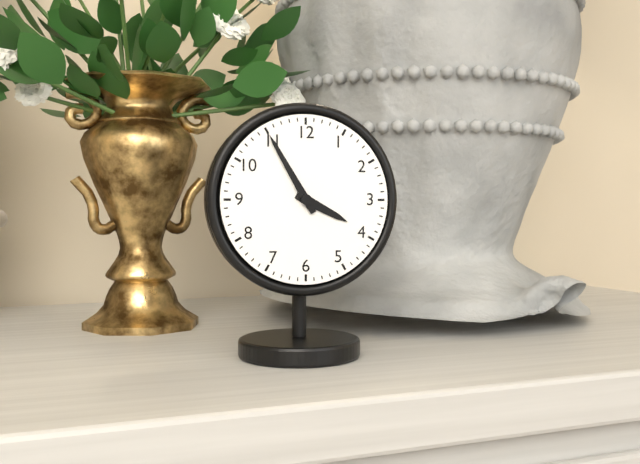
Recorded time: 3:55
